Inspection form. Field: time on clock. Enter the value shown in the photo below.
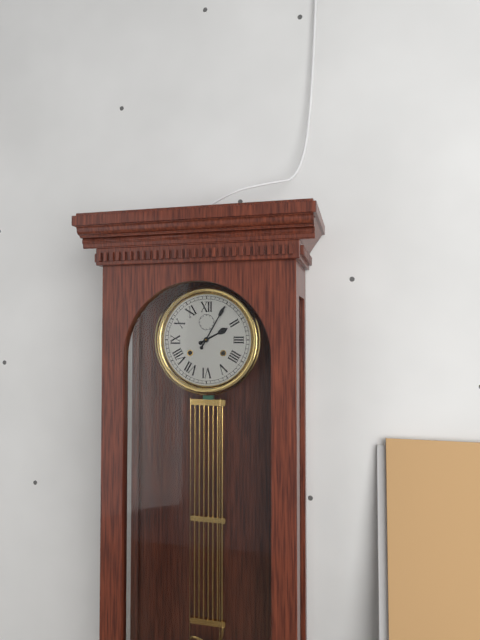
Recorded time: 2:05
